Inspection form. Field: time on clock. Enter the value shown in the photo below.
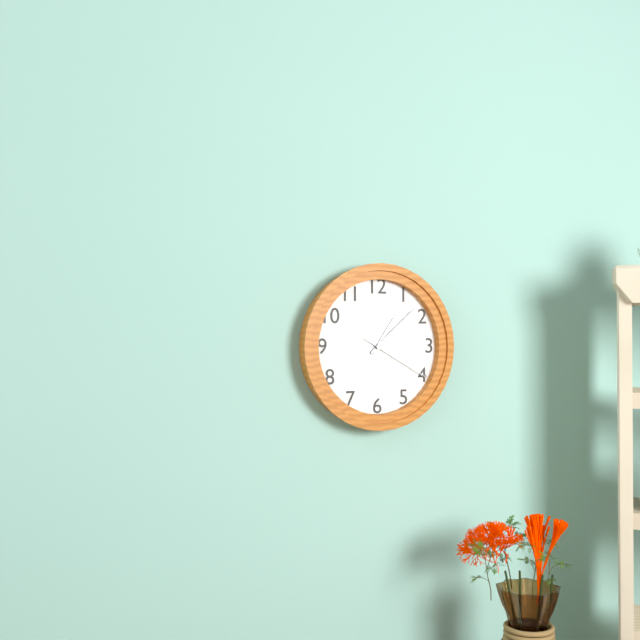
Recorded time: 1:08:20
